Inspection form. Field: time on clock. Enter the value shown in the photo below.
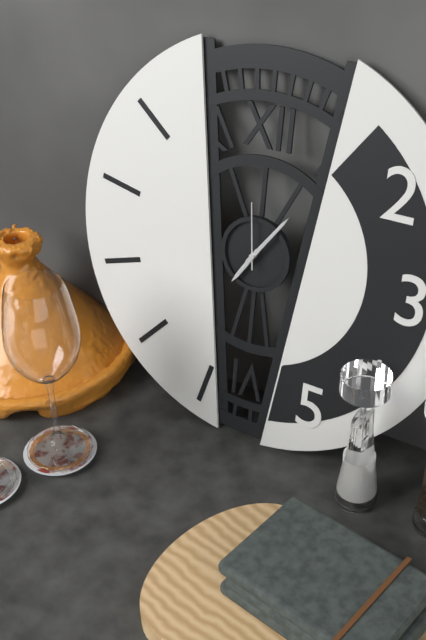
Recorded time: 7:06:59
